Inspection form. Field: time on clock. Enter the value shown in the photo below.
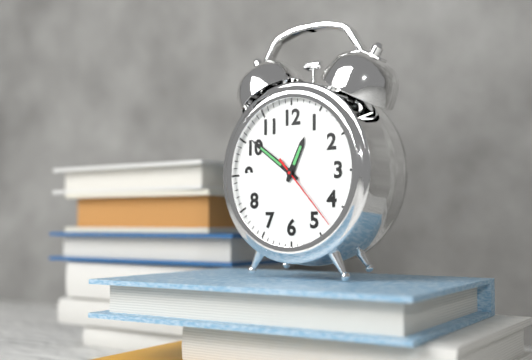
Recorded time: 12:51:23
